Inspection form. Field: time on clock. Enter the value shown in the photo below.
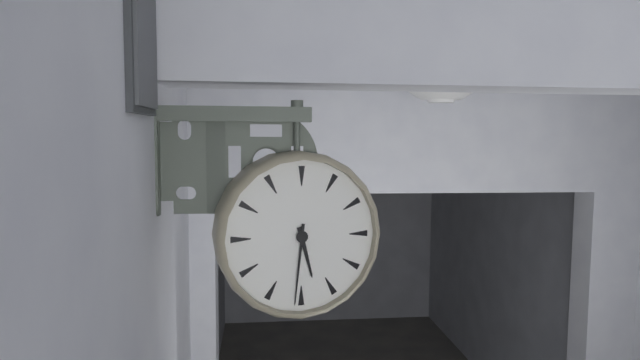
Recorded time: 5:31
